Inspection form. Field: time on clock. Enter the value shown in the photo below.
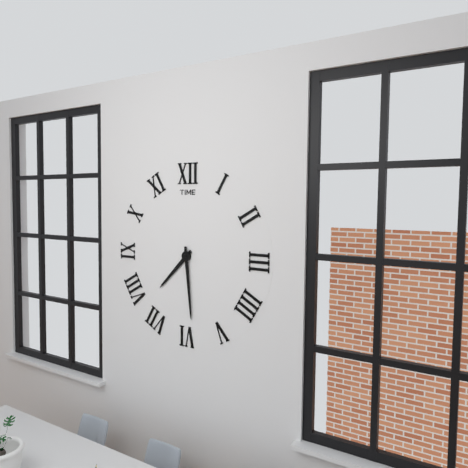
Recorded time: 7:29
